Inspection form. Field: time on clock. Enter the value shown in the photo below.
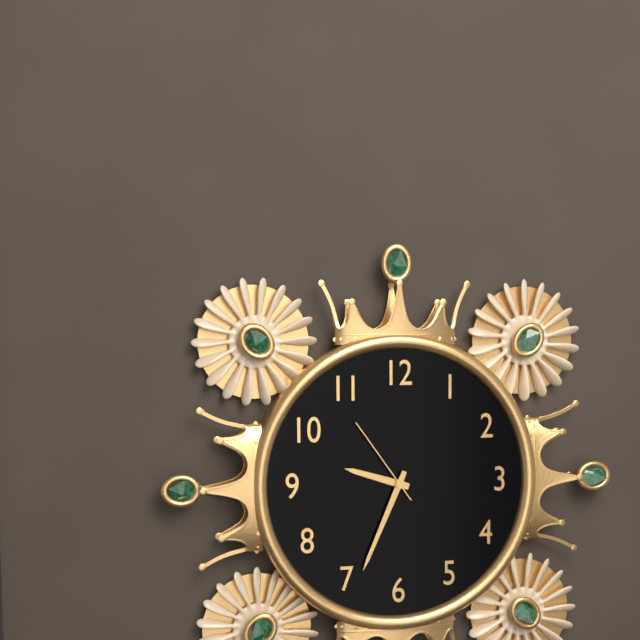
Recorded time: 9:34:54
